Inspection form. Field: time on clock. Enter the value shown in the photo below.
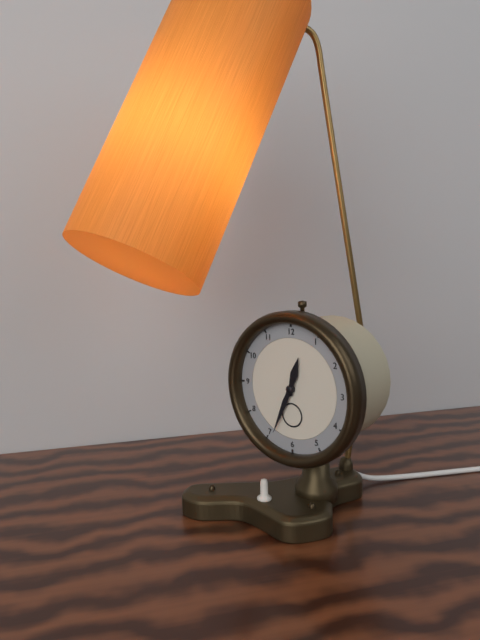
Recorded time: 12:34
